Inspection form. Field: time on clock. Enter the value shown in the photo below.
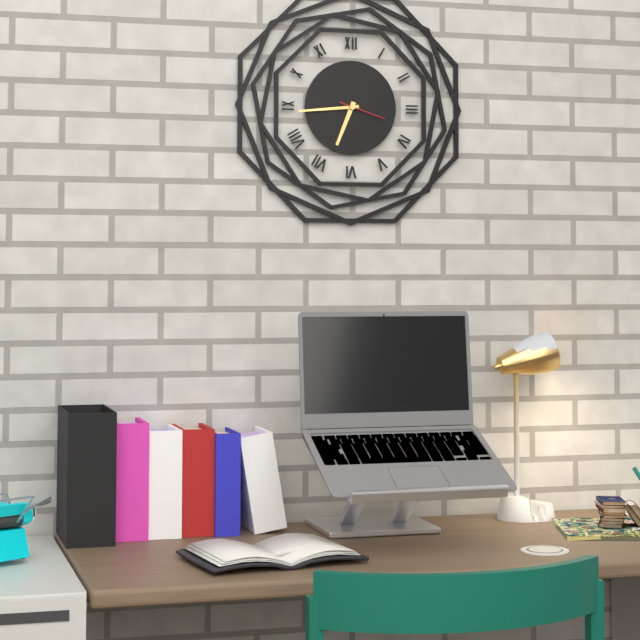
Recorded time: 6:44
